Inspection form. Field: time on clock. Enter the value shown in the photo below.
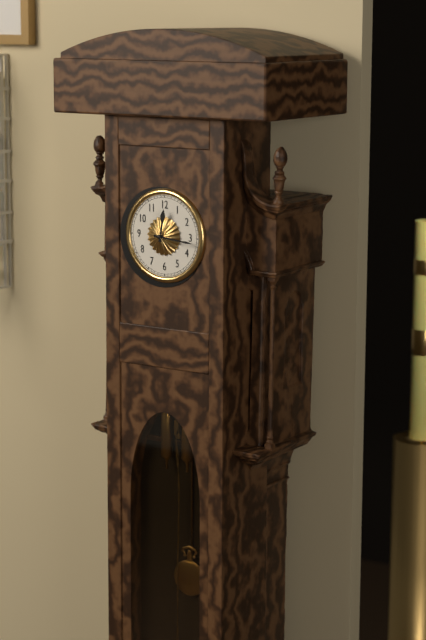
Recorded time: 12:16
